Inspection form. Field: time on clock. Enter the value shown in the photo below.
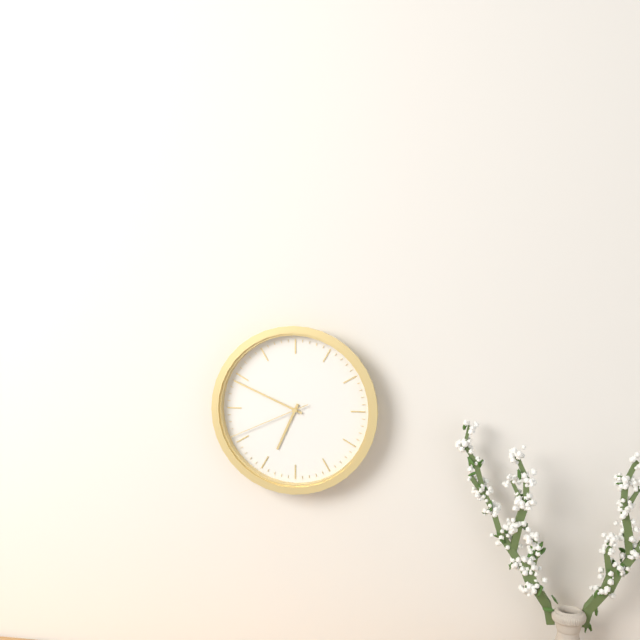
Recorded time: 6:49:41
